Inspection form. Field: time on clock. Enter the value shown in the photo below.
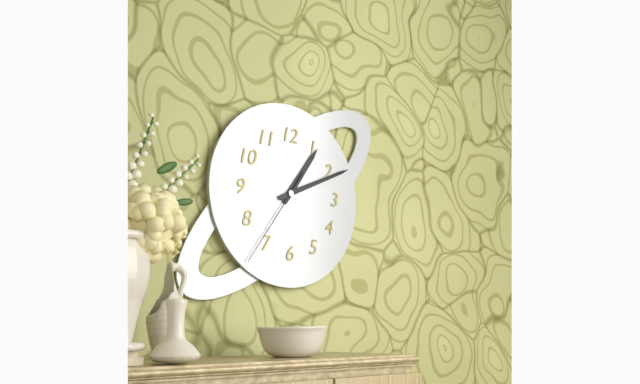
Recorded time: 1:11:36
